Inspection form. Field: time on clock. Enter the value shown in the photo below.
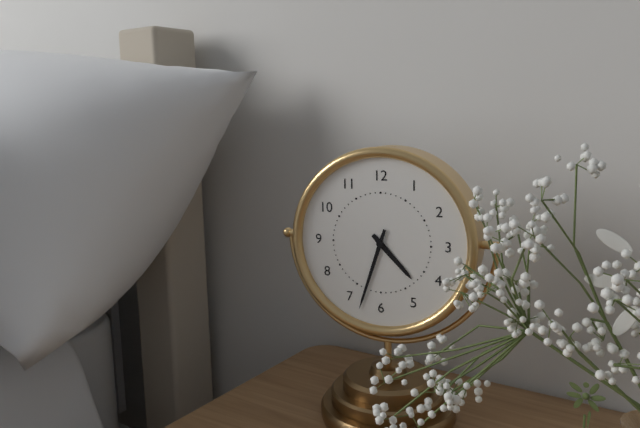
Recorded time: 4:33
